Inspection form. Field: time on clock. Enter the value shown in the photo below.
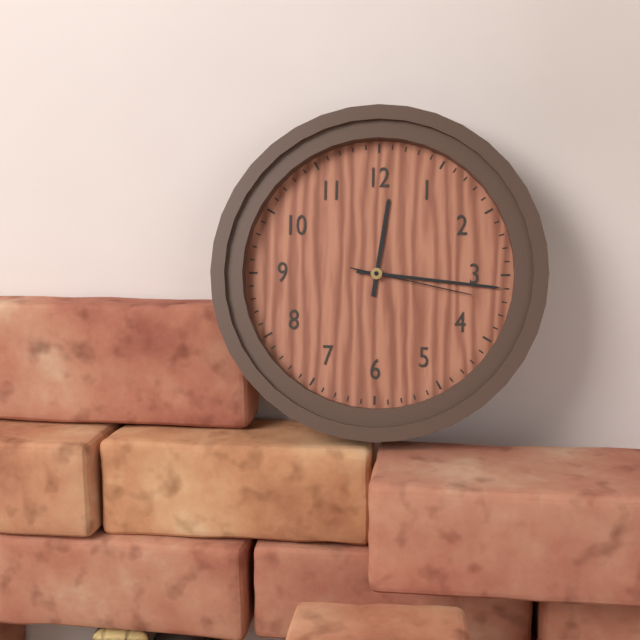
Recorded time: 12:16:17
